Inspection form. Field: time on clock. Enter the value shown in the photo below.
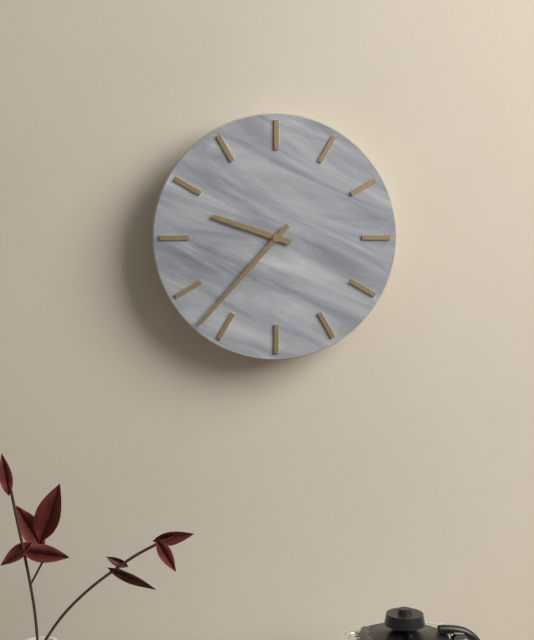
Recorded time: 9:37
